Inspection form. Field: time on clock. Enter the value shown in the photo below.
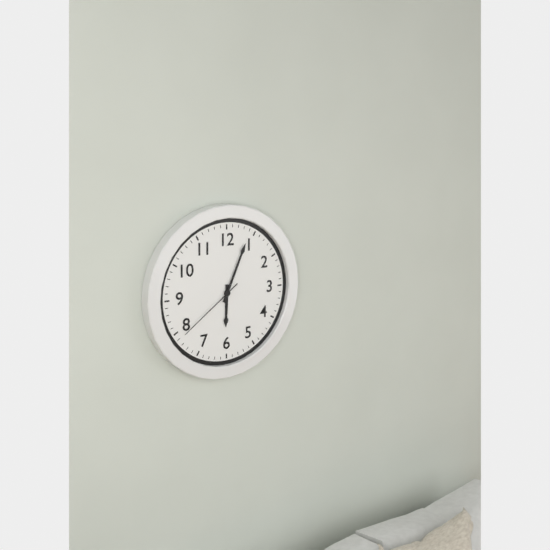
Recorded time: 6:04:39
